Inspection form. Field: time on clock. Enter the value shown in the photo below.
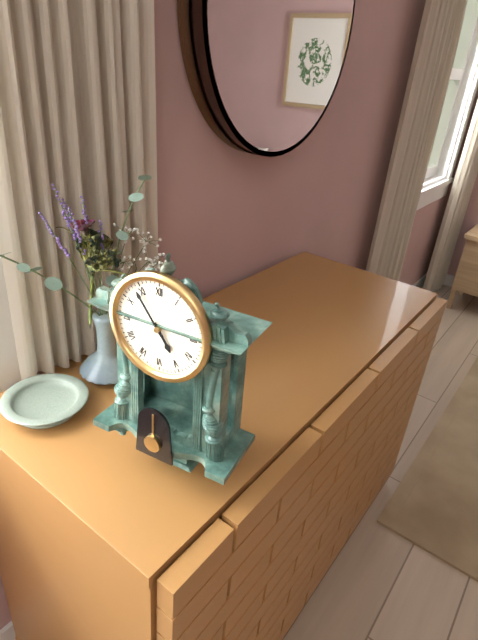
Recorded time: 4:54
